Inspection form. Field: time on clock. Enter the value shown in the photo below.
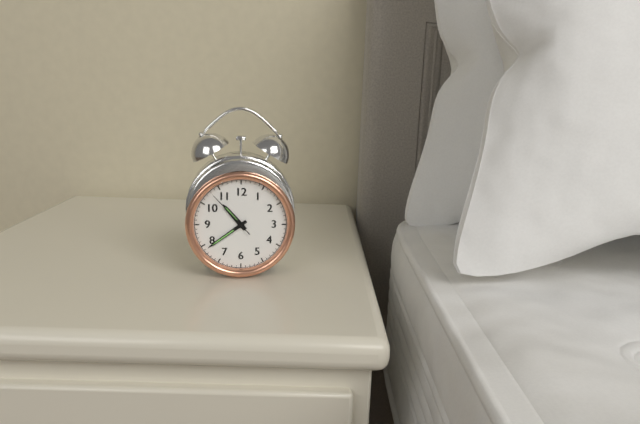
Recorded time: 10:39:53
